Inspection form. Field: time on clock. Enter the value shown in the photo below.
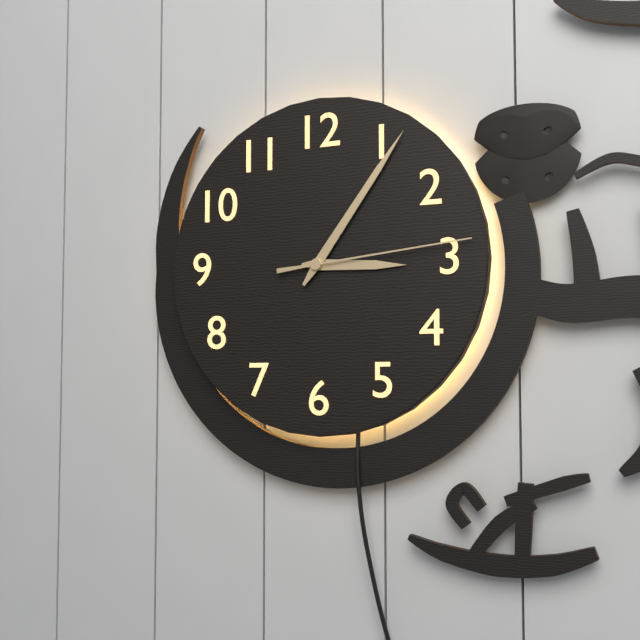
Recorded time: 3:06:14
